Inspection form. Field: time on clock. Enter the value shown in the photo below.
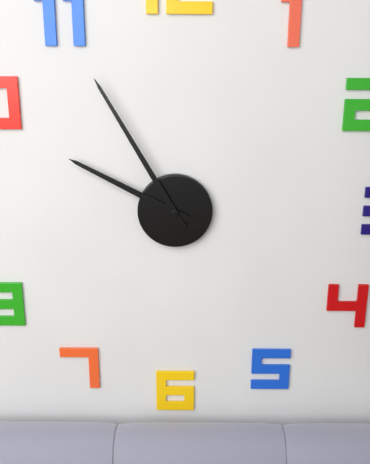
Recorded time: 9:55
